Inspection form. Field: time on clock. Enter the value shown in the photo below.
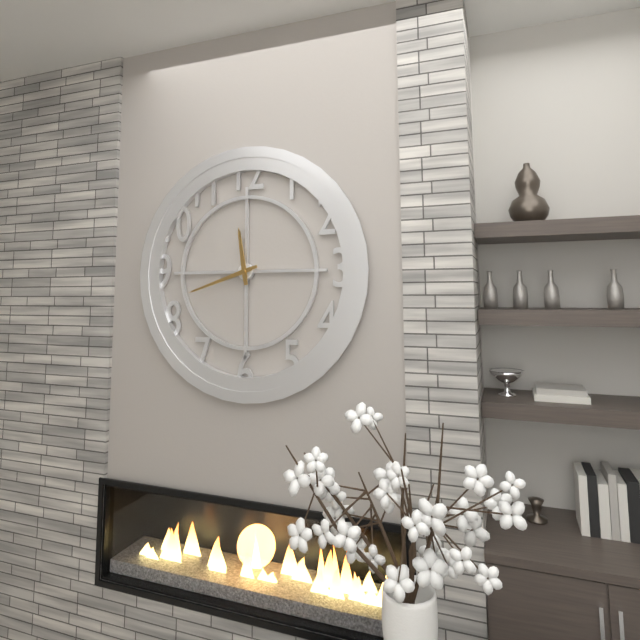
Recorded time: 11:42
